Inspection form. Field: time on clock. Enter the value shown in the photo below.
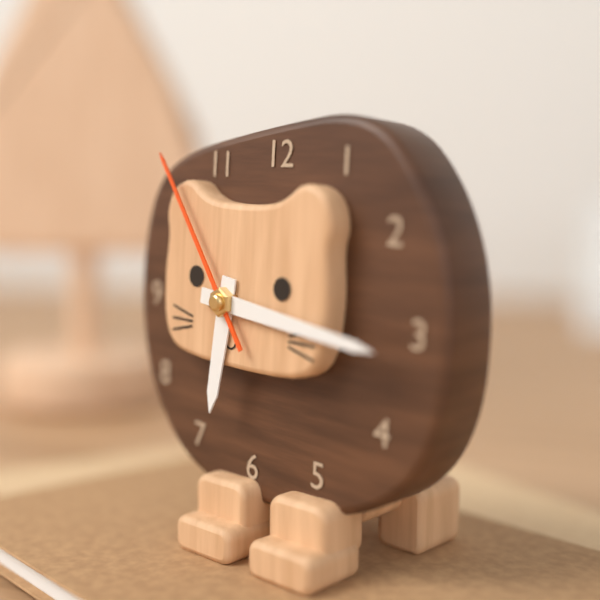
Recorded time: 6:16:54
